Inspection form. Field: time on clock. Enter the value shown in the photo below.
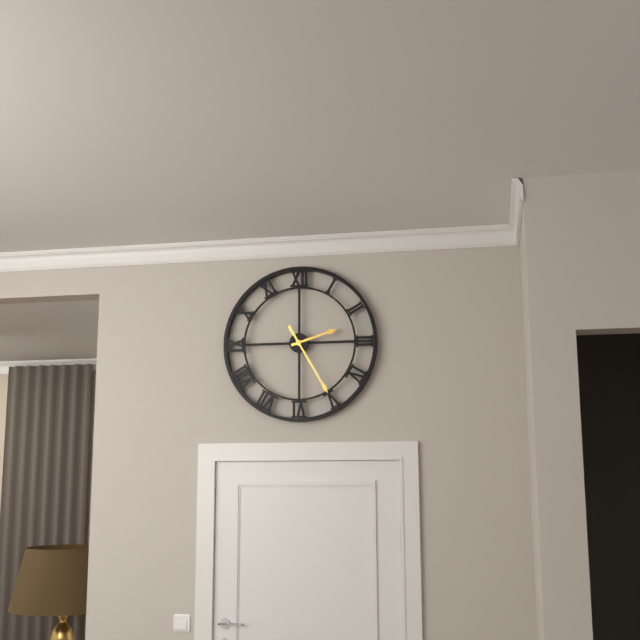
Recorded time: 2:25
